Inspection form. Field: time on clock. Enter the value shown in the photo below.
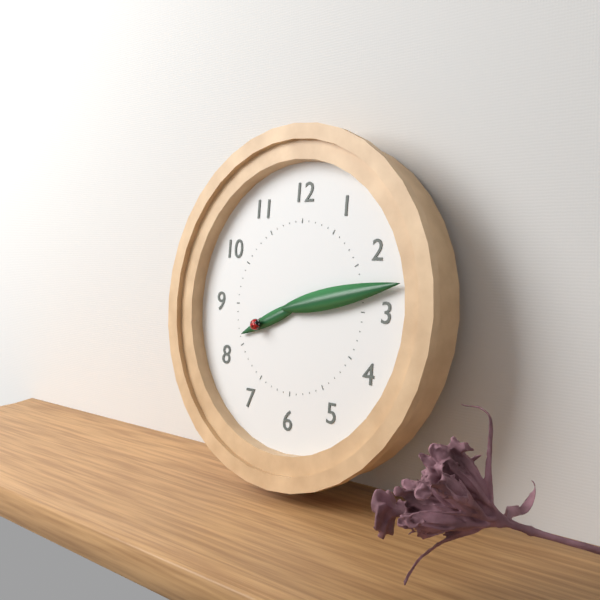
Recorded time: 8:13
